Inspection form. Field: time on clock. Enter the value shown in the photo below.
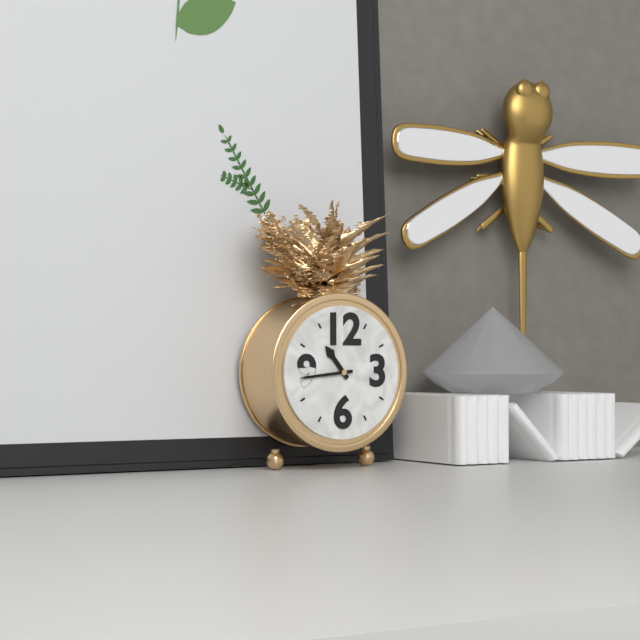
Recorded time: 10:44
